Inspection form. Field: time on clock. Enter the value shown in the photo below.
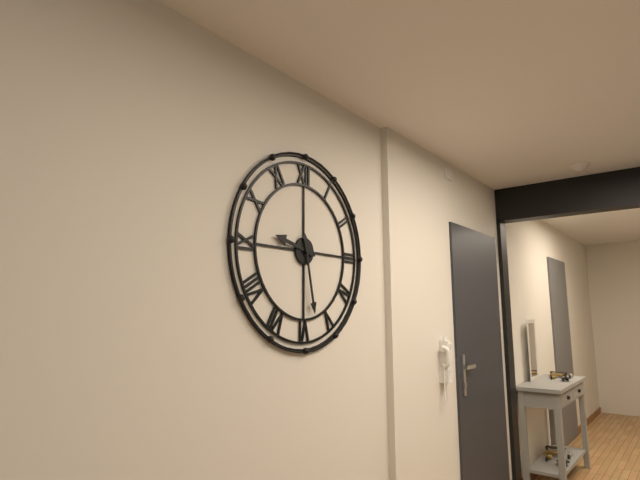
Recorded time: 9:28
